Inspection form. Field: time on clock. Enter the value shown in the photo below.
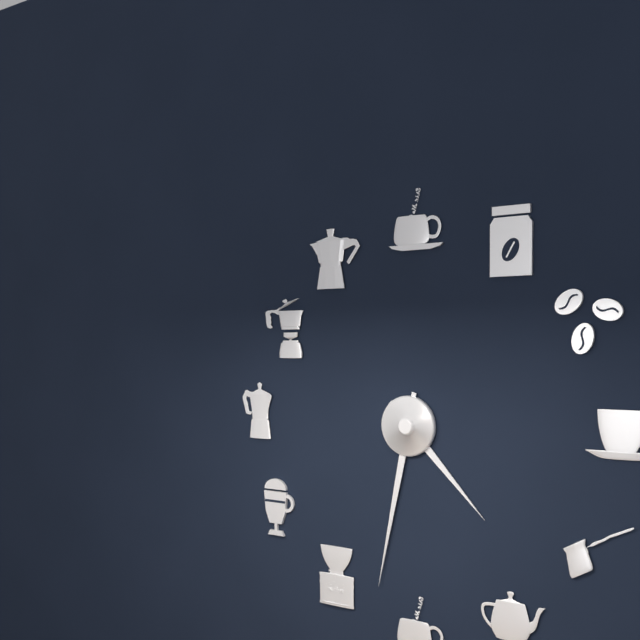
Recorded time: 4:32
